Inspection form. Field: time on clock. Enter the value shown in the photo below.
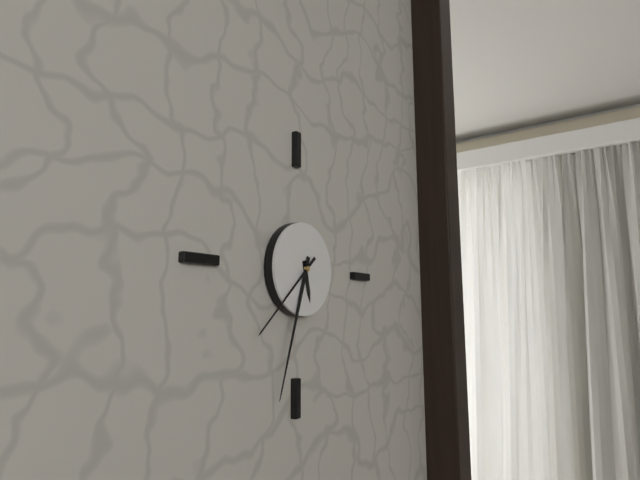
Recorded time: 5:33:38
